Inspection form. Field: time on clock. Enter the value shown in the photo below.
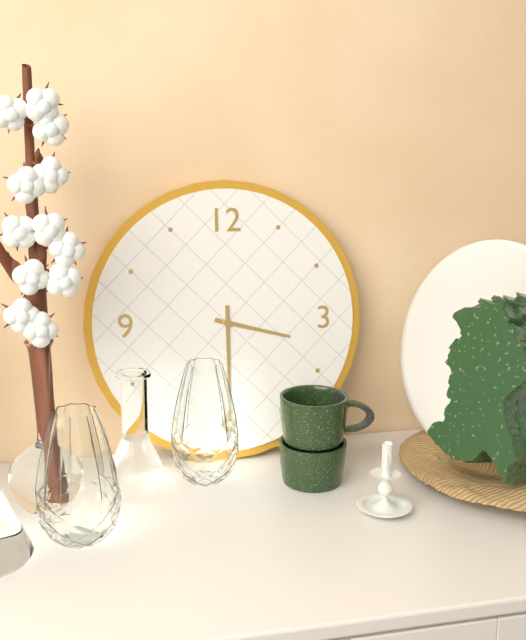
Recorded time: 3:30
